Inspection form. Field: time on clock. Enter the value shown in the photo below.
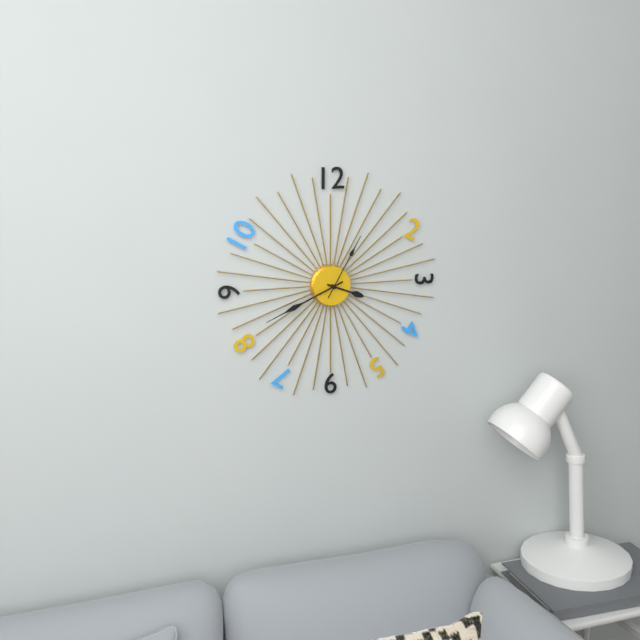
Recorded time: 3:41:05
